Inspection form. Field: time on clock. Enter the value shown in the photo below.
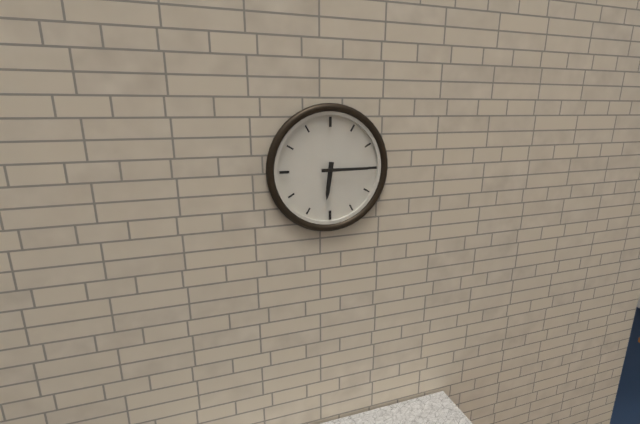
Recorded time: 6:15
